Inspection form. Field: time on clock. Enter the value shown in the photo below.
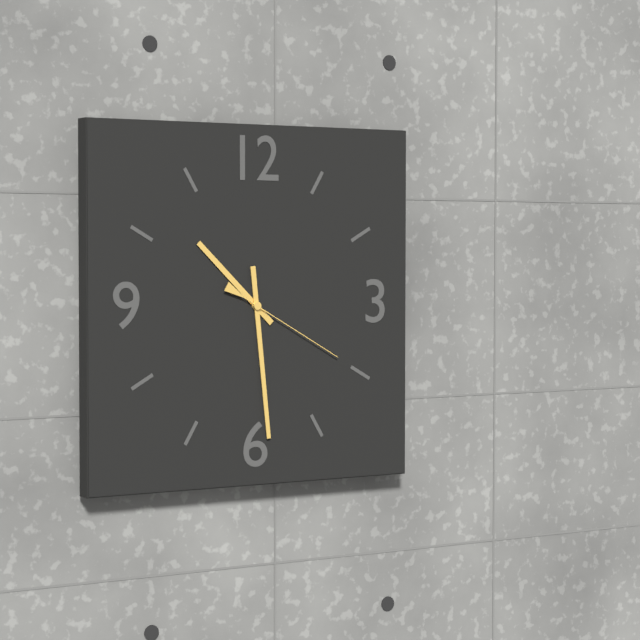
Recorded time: 10:29:20
